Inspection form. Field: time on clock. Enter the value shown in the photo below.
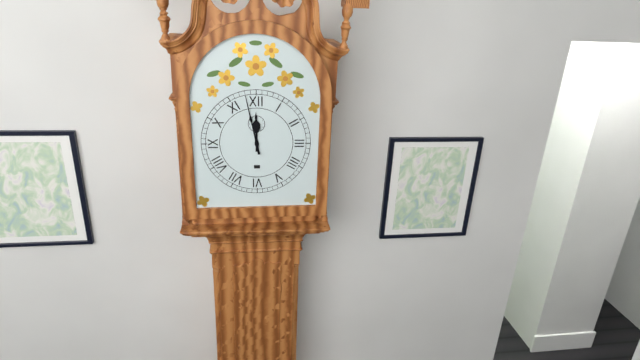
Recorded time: 11:58
